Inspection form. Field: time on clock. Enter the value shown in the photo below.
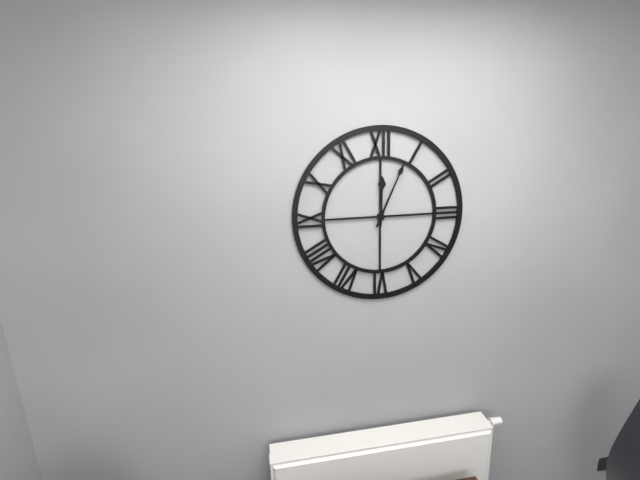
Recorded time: 12:04
